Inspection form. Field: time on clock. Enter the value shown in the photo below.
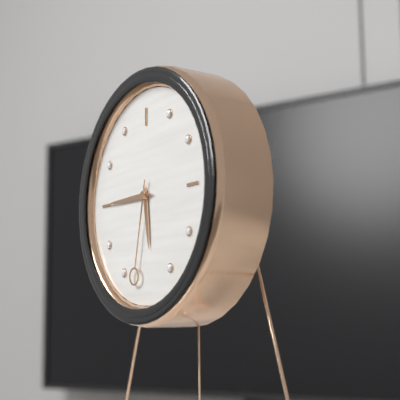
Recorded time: 5:45:32
